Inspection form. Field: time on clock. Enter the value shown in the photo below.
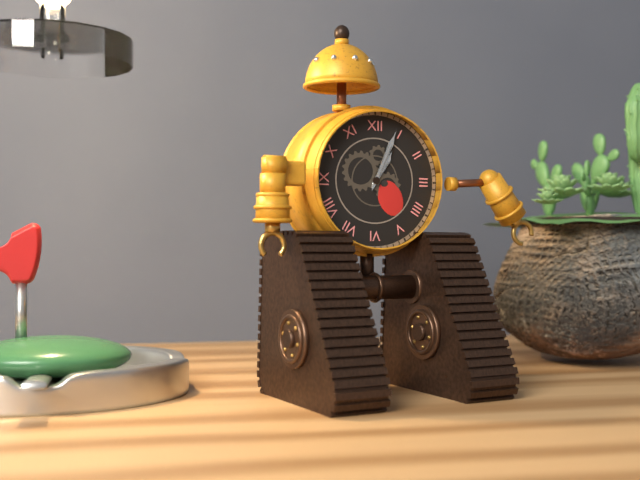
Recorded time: 1:04
